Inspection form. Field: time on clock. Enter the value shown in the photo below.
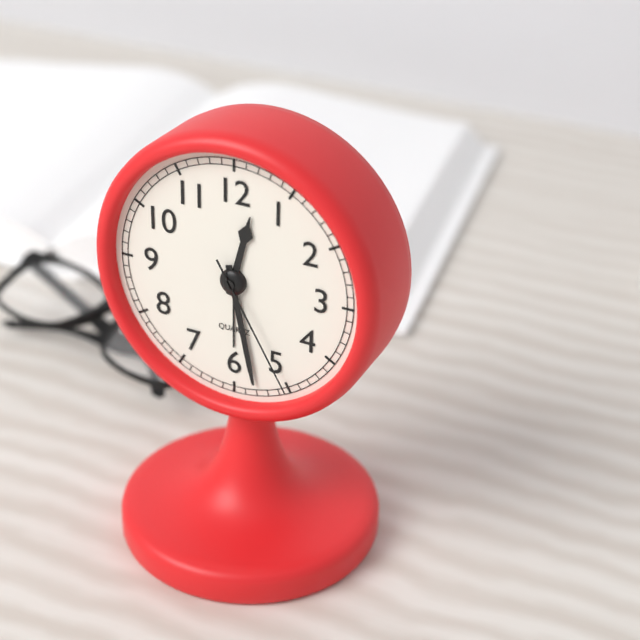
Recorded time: 12:28:25
